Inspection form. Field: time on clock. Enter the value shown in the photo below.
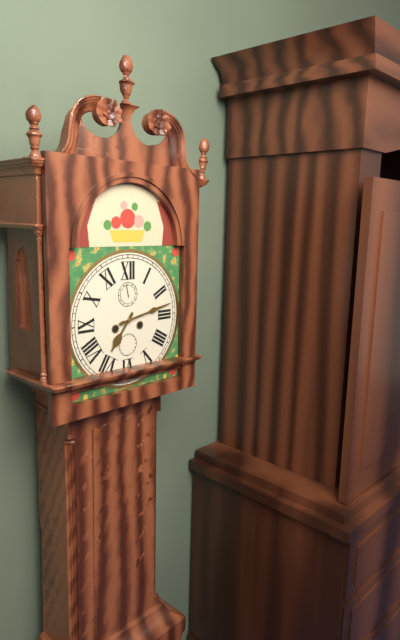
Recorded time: 7:13
